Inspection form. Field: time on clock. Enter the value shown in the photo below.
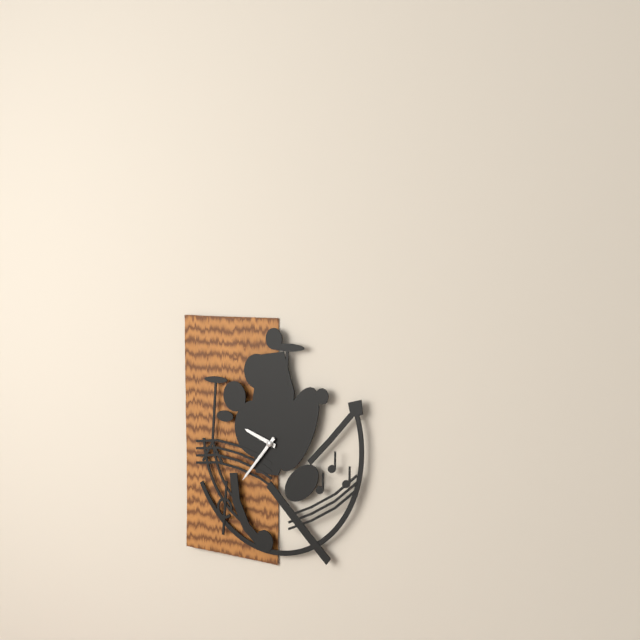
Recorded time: 9:37
